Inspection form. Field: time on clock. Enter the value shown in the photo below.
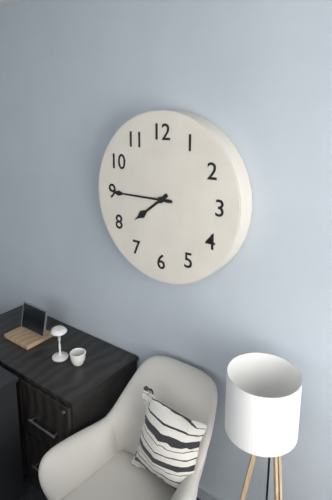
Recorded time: 7:45
